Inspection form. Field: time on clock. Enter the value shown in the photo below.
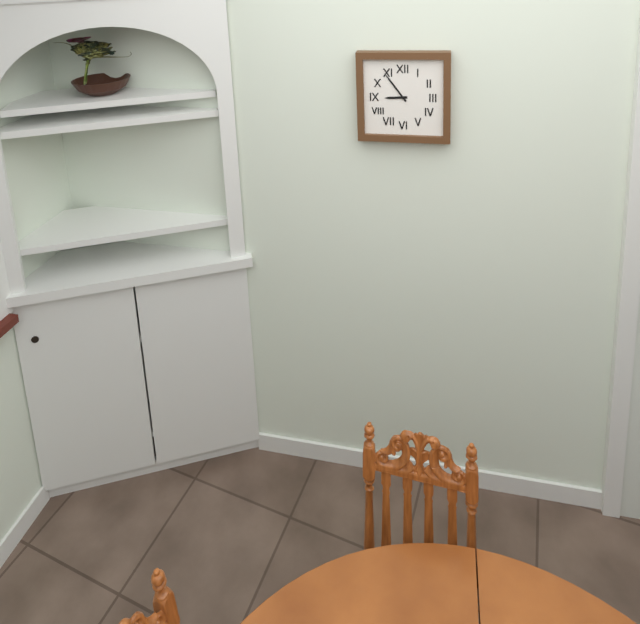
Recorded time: 8:54
